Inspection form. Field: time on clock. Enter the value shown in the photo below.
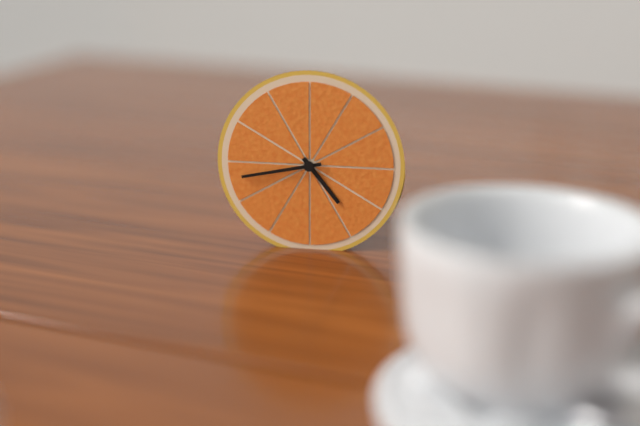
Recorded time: 4:43
